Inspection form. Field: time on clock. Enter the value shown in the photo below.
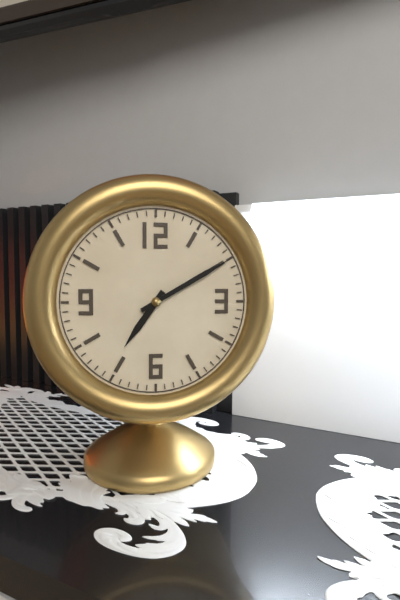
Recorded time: 7:10
